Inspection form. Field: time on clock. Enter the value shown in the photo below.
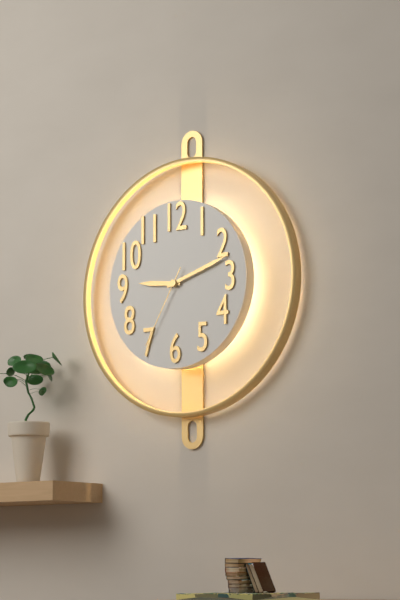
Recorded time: 9:12:35
